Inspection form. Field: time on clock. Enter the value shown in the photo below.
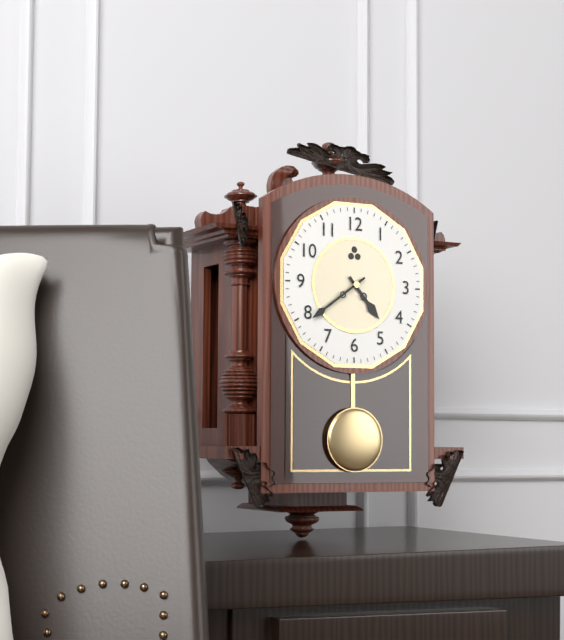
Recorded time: 4:39
